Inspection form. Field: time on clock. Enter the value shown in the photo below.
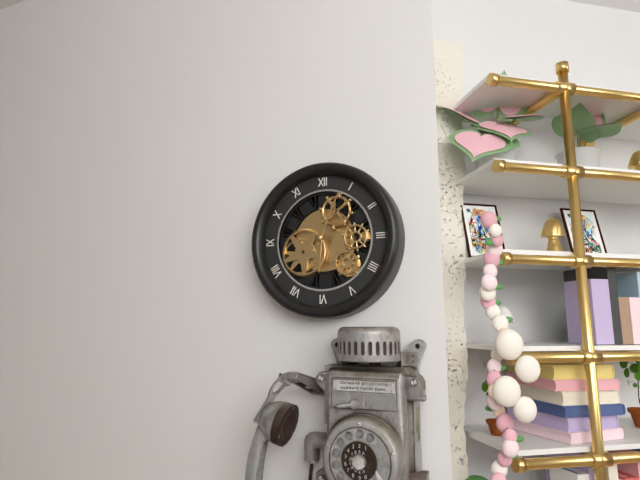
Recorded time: 6:04
